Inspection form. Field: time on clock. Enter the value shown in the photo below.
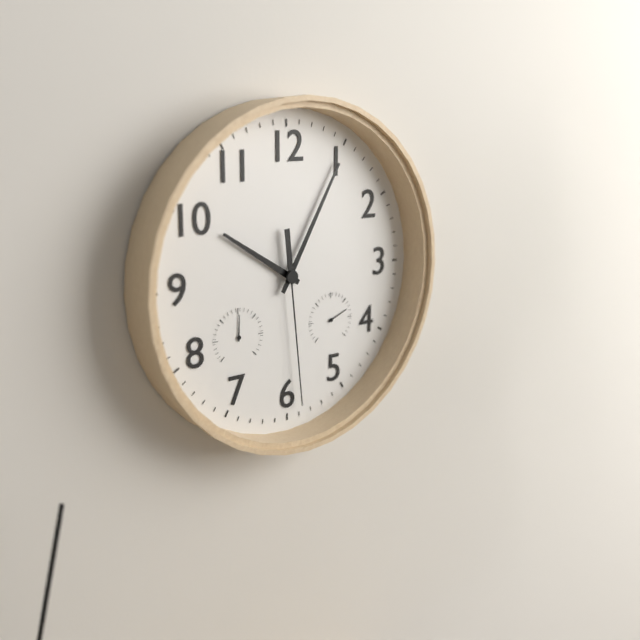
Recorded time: 10:05:29
